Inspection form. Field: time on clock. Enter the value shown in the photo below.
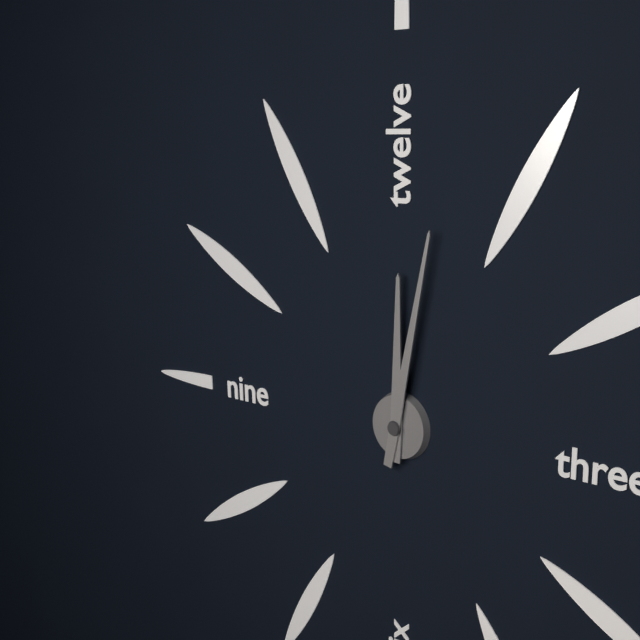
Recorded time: 12:02
